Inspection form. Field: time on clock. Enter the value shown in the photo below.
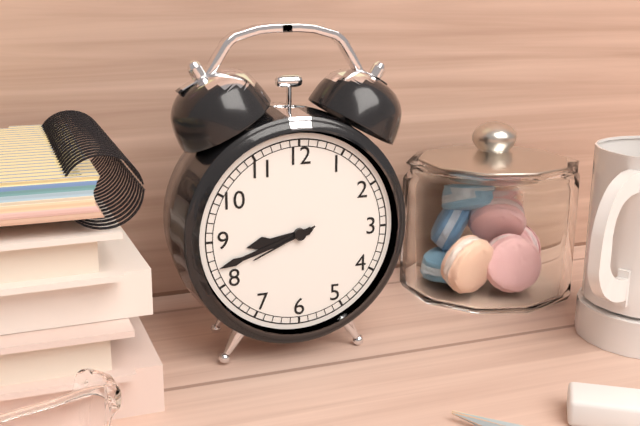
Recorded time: 8:42:41
